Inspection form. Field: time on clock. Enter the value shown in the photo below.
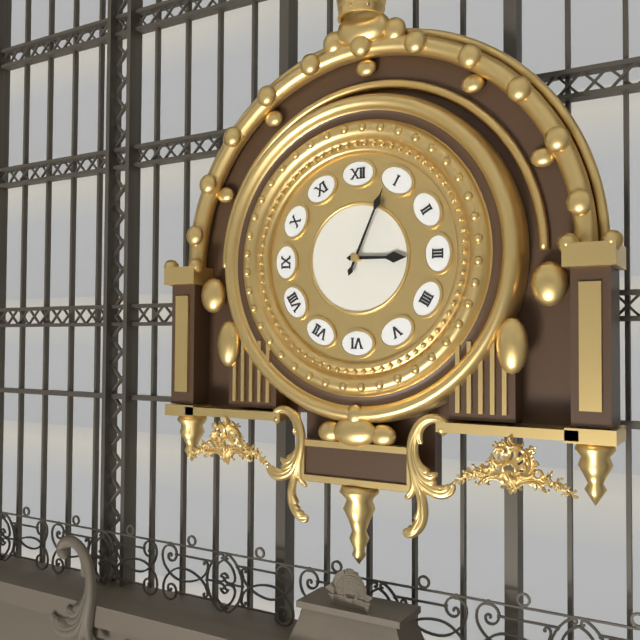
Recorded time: 3:04
